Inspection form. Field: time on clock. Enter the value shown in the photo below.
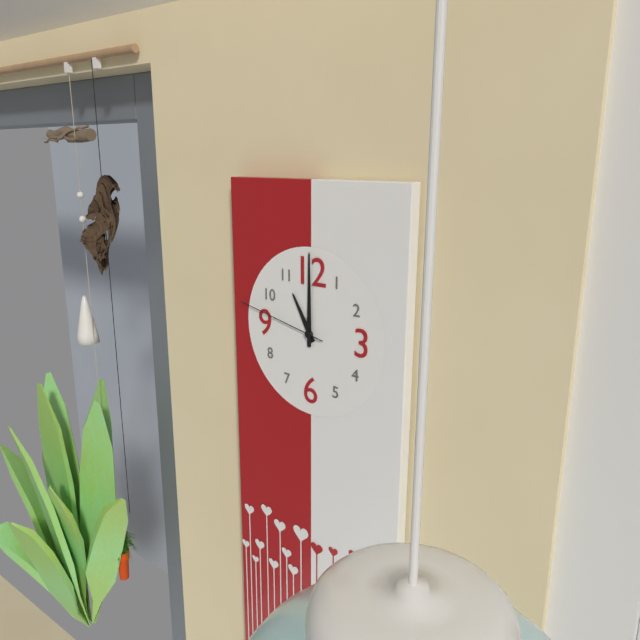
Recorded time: 11:00:47
